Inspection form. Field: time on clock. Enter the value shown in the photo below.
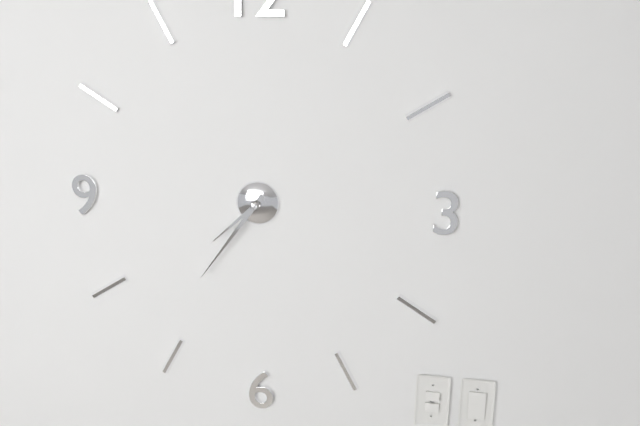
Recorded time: 7:36
